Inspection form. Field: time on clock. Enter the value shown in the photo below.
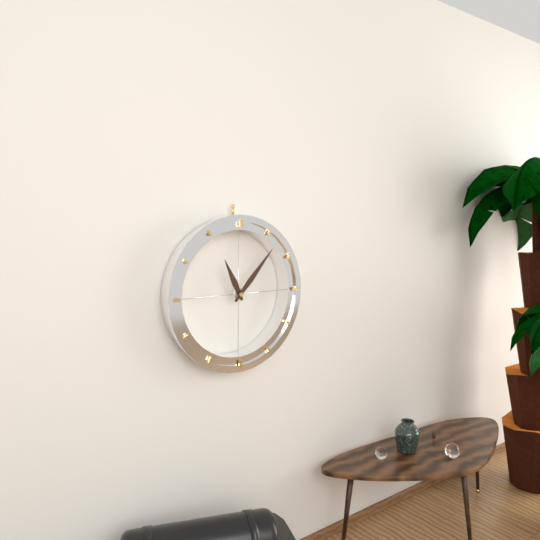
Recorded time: 11:07
